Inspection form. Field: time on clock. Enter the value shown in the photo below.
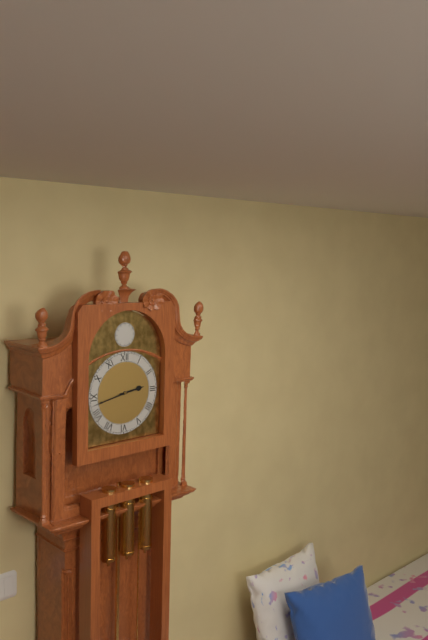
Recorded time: 2:43
